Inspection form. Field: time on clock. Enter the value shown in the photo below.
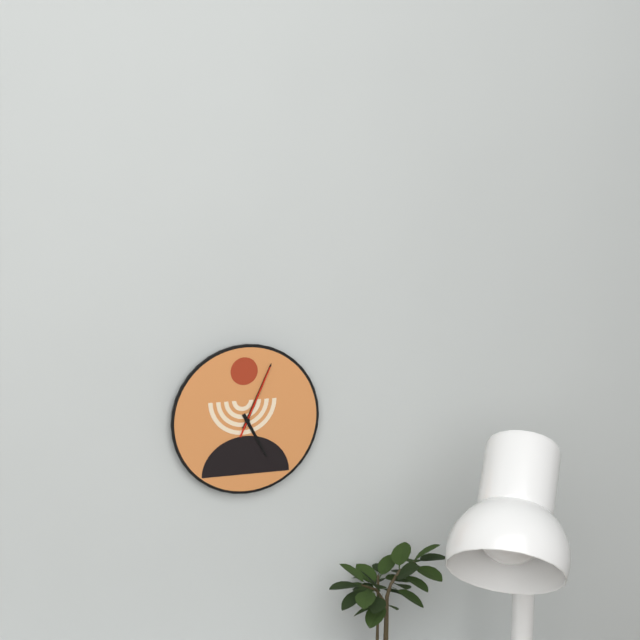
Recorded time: 5:04:04
